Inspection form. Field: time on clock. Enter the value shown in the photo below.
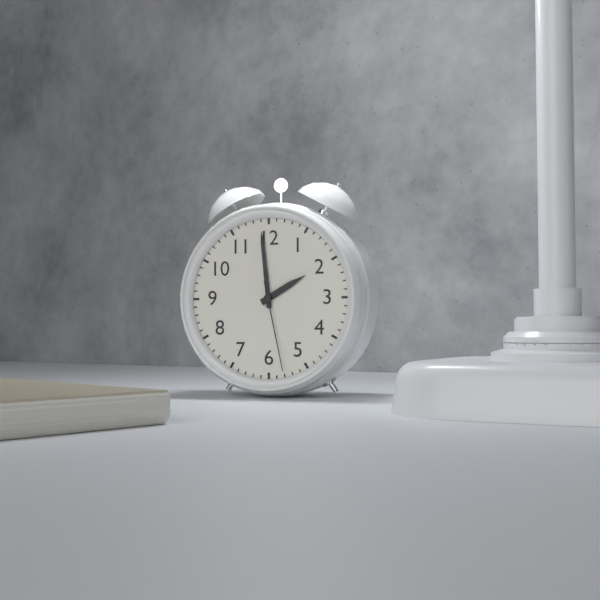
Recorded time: 1:59:28
